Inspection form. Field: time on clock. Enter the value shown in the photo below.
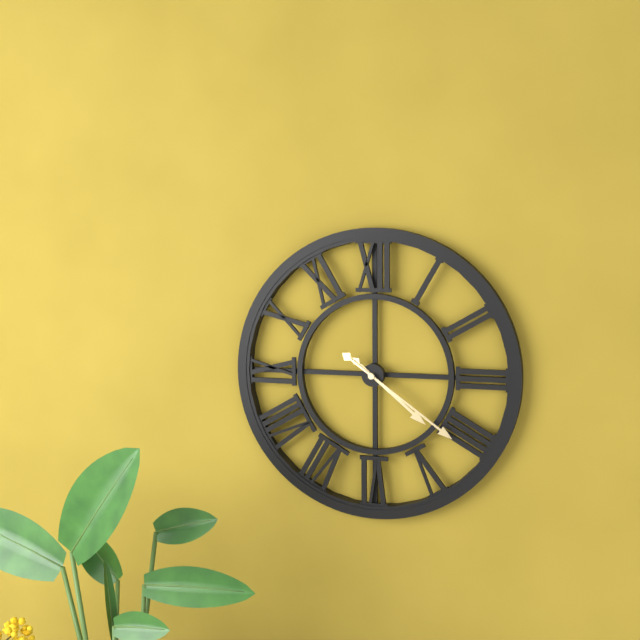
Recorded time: 4:21
